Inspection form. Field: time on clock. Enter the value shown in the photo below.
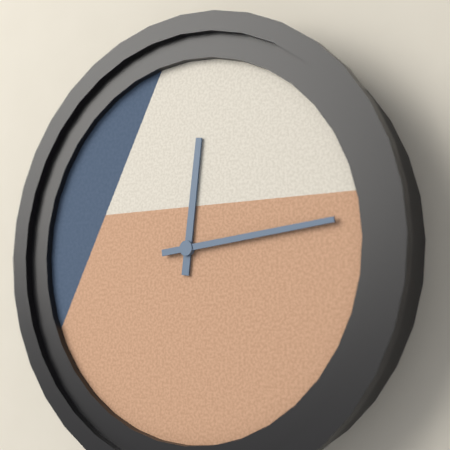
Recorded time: 12:14
